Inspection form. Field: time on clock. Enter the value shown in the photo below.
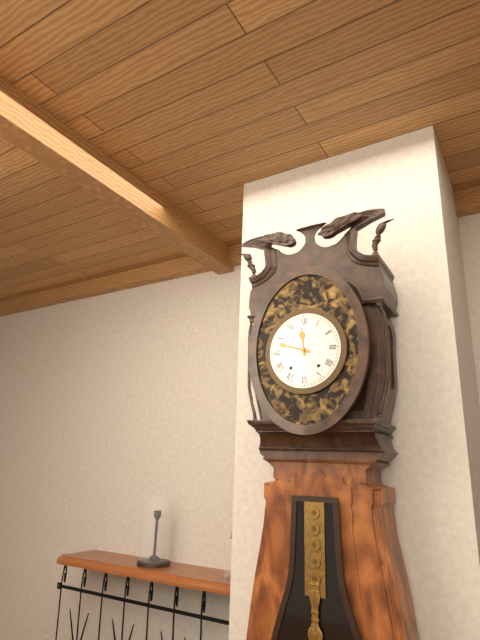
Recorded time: 11:48
